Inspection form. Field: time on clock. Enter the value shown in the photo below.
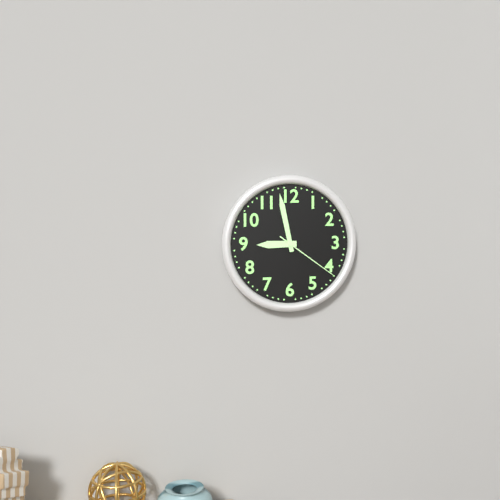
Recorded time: 8:58:21
